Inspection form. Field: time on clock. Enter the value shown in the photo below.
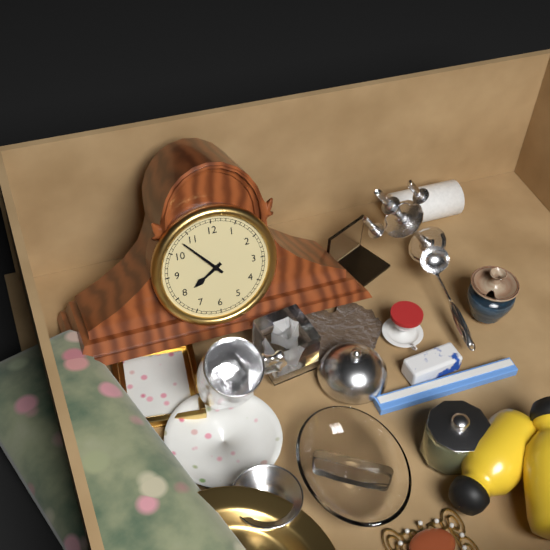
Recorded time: 7:53
